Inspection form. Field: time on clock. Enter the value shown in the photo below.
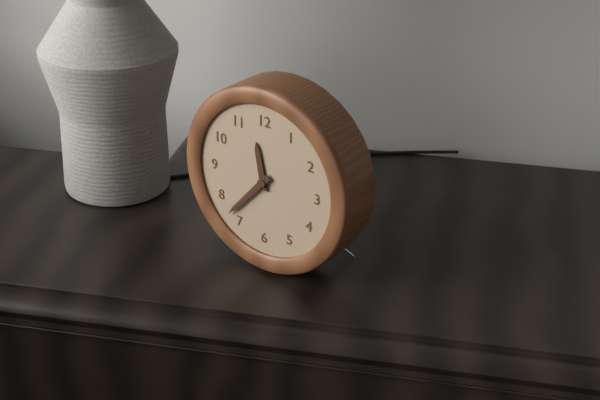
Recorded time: 11:37
